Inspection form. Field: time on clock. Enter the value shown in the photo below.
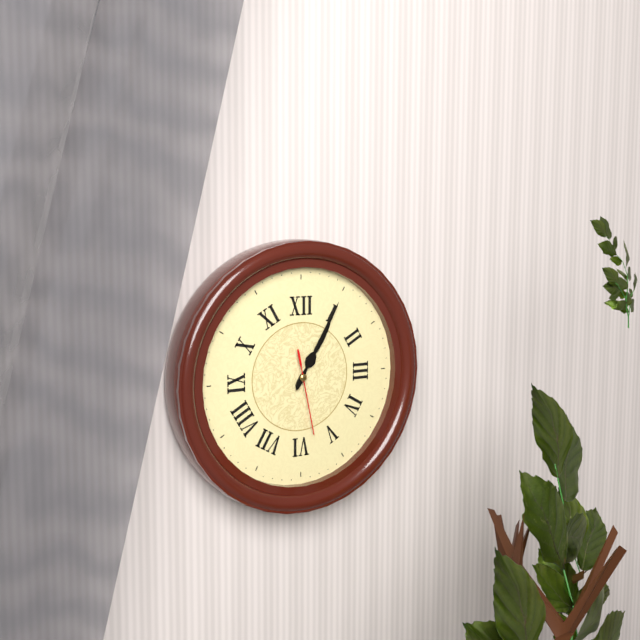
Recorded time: 1:05:28
